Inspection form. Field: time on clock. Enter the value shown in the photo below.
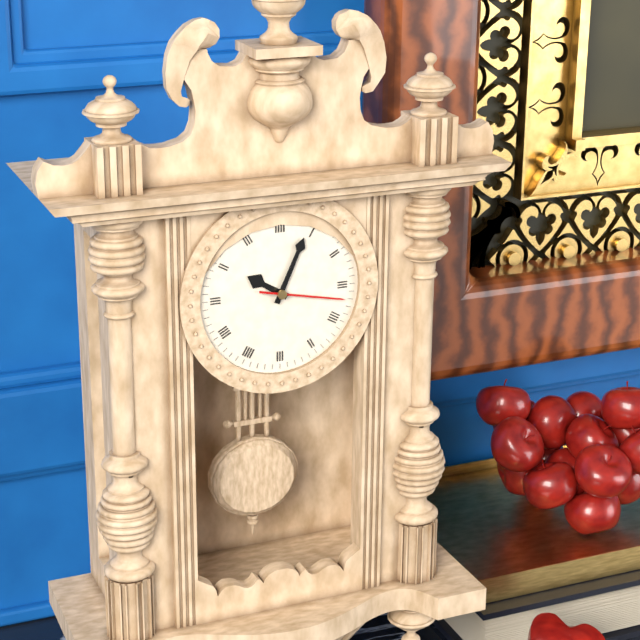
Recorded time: 10:04:17
